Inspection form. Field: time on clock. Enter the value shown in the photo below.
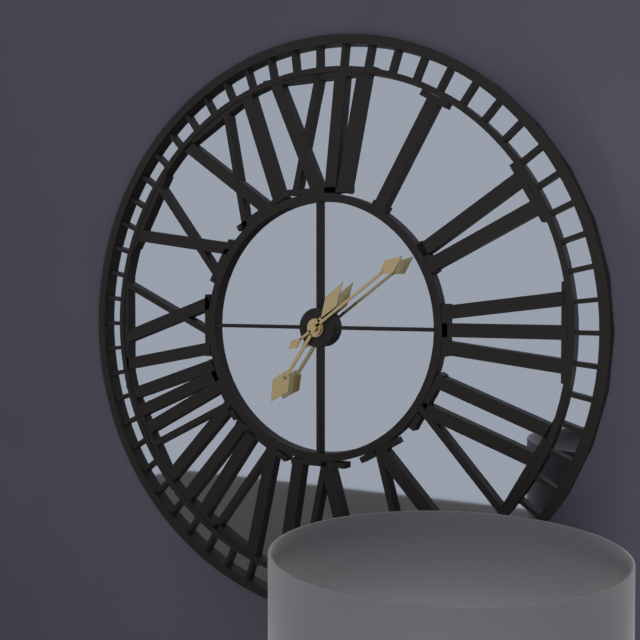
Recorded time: 7:09
